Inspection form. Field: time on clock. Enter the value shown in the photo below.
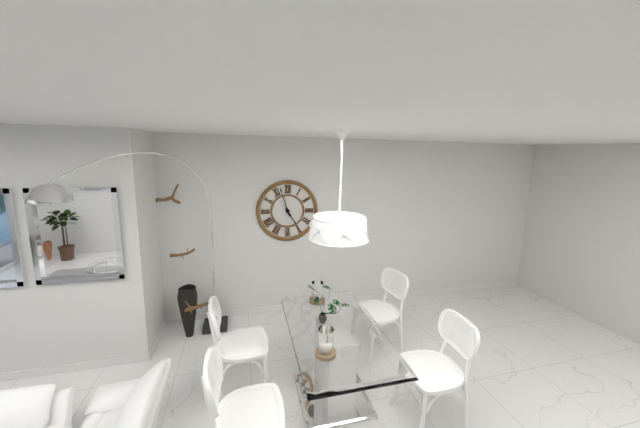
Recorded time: 4:57
